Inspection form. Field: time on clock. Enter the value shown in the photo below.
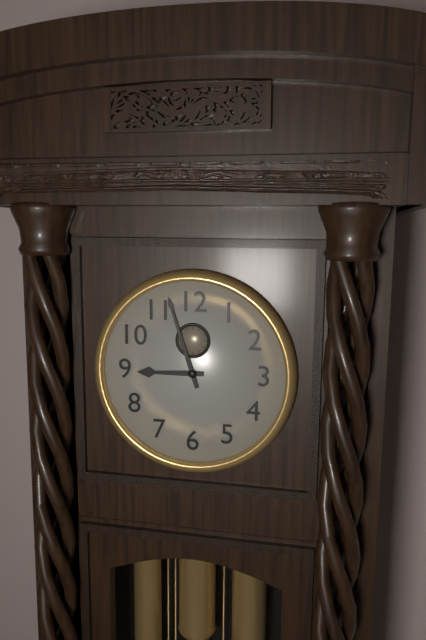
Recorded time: 8:57
